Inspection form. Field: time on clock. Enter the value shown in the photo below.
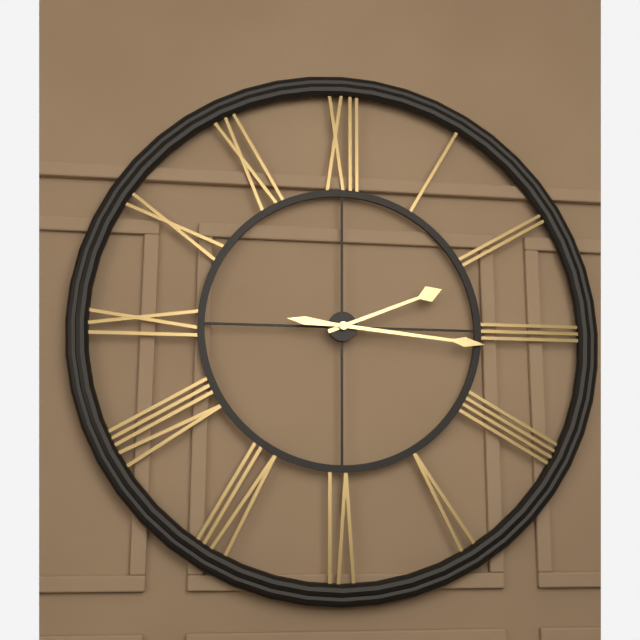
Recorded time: 2:16
